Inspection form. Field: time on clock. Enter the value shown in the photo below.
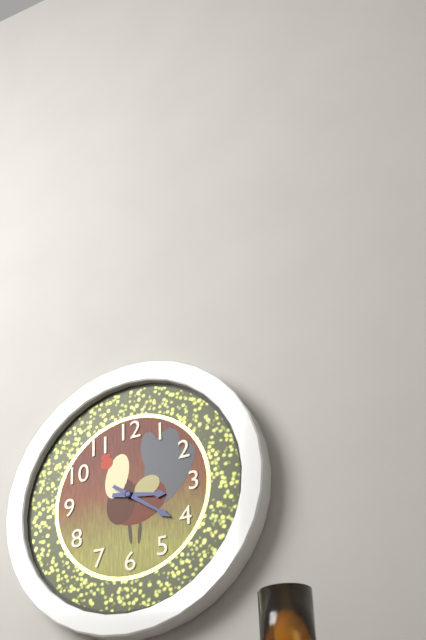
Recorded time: 3:21
